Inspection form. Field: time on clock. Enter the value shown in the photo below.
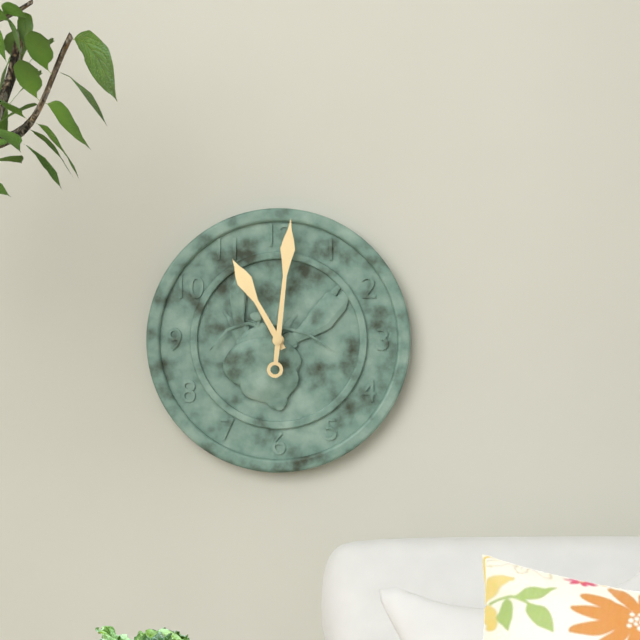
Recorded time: 11:01
